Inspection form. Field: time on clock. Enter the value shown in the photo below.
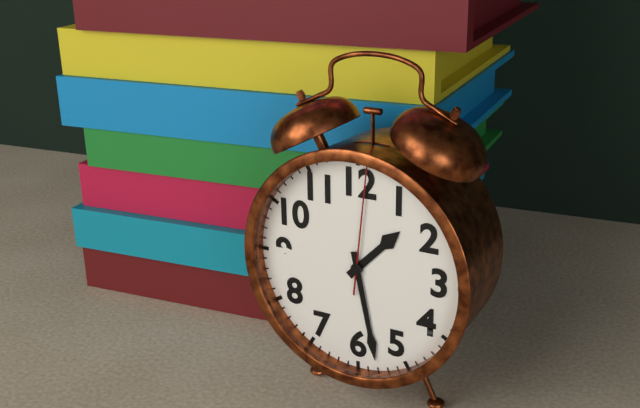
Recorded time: 1:28:01
